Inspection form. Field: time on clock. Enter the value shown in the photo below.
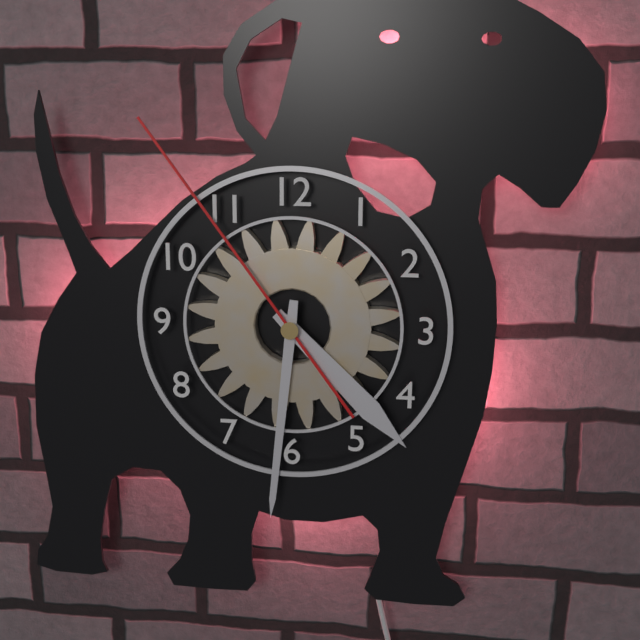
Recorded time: 4:31:54
